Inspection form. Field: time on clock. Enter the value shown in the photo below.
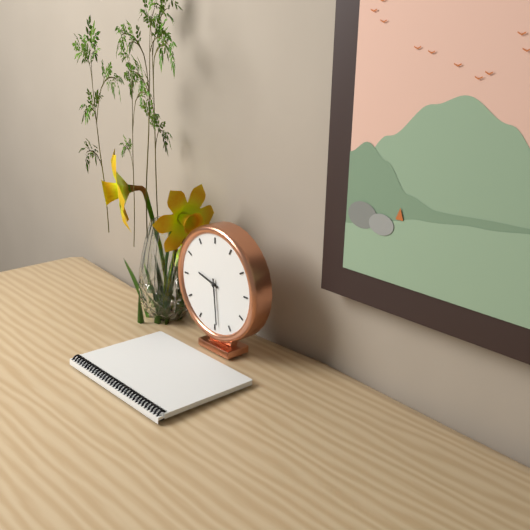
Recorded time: 9:29
